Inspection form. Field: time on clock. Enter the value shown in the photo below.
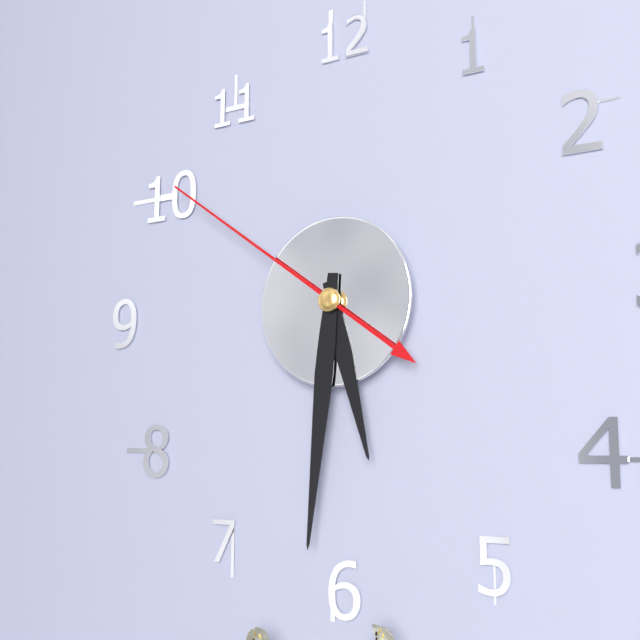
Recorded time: 5:31:51
